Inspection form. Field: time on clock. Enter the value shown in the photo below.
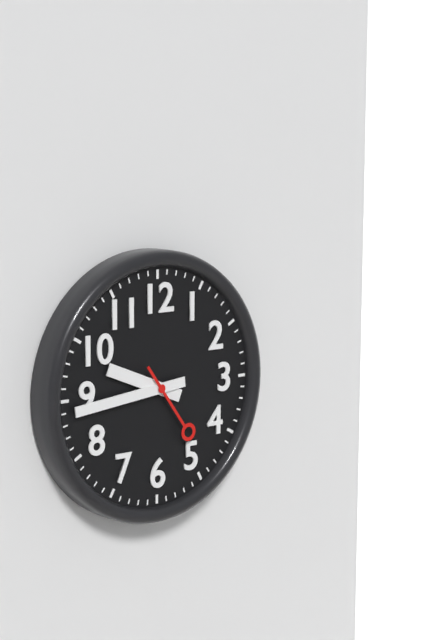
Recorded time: 9:44:24
